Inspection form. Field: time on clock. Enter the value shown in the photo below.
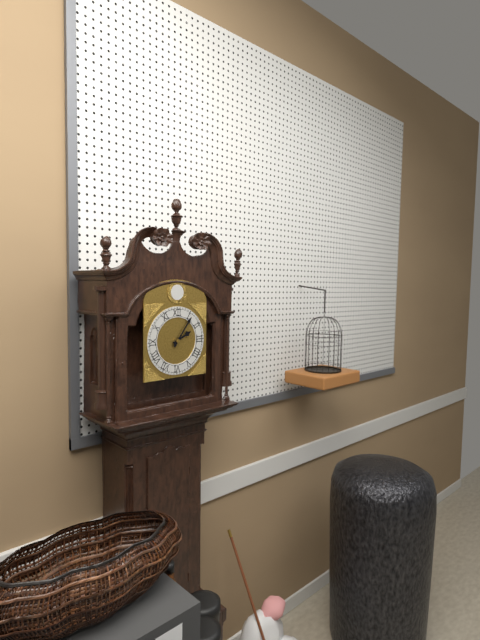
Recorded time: 2:06
